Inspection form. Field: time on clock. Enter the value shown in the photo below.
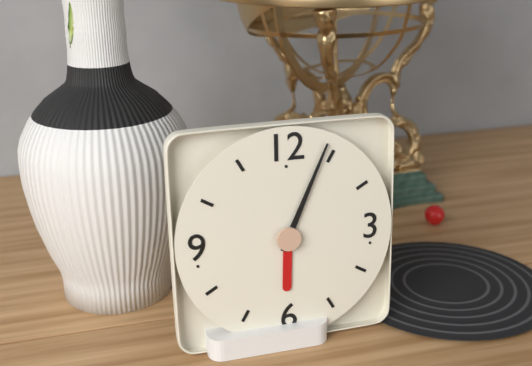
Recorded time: 6:04
